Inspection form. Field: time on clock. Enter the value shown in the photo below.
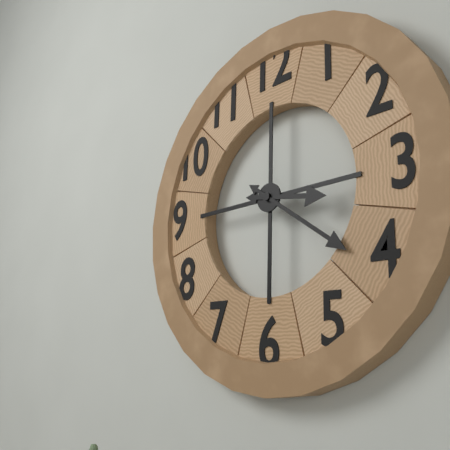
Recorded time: 3:21
